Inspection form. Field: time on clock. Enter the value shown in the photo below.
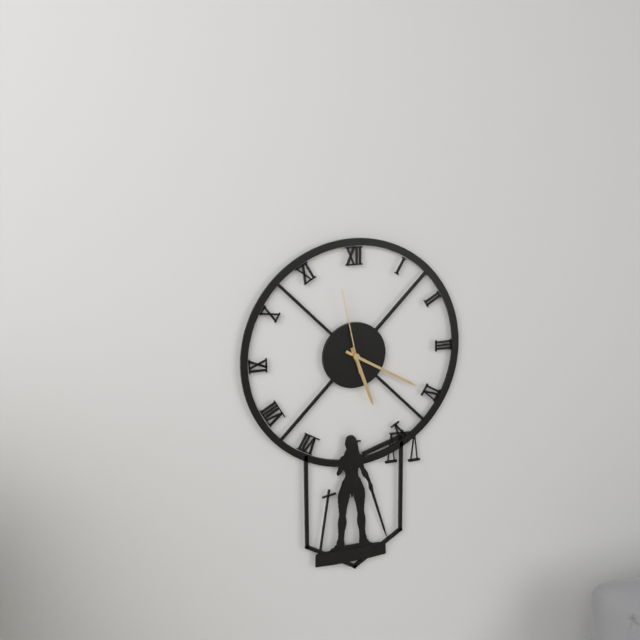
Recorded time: 5:20:58
